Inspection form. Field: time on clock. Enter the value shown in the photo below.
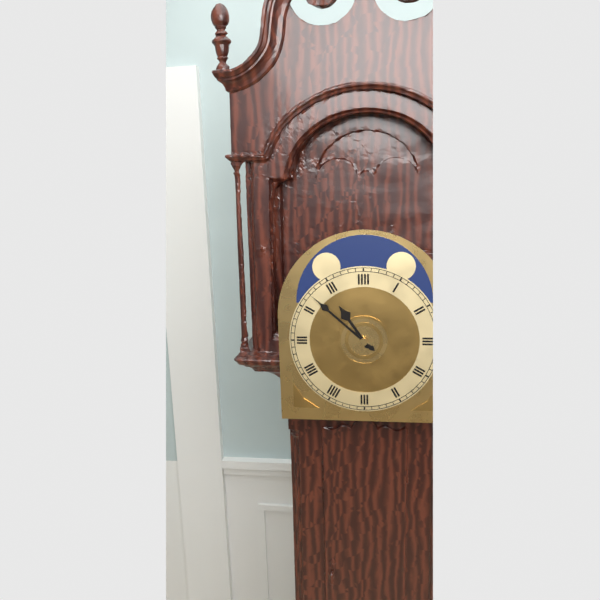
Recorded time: 10:52
